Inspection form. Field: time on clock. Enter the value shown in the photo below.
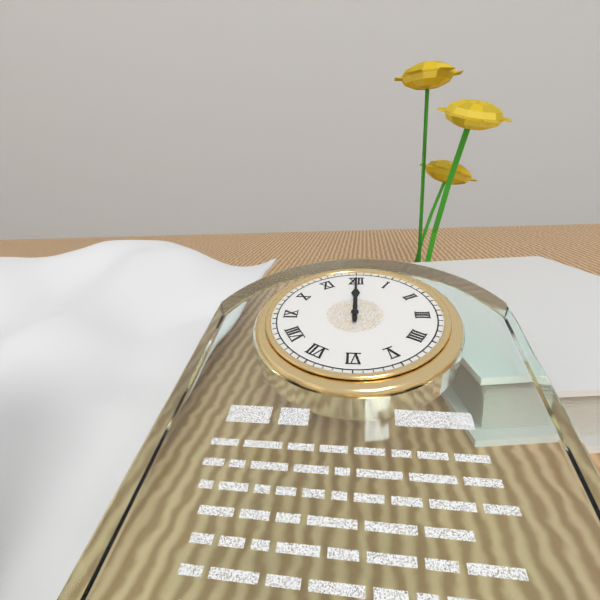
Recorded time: 12:00
